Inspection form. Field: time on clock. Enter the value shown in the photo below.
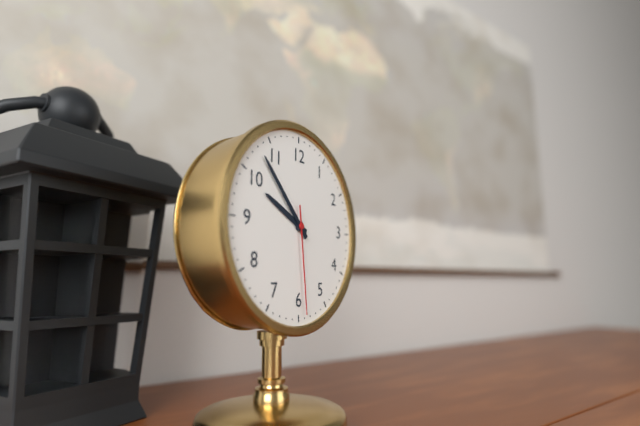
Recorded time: 9:53:29
